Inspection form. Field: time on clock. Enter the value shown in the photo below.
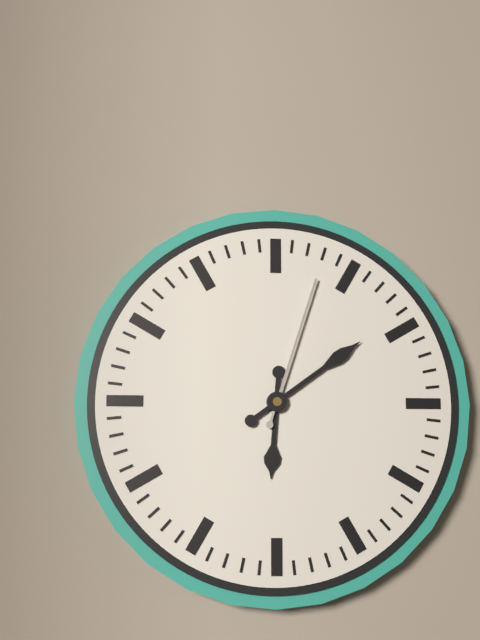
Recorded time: 6:09:03
